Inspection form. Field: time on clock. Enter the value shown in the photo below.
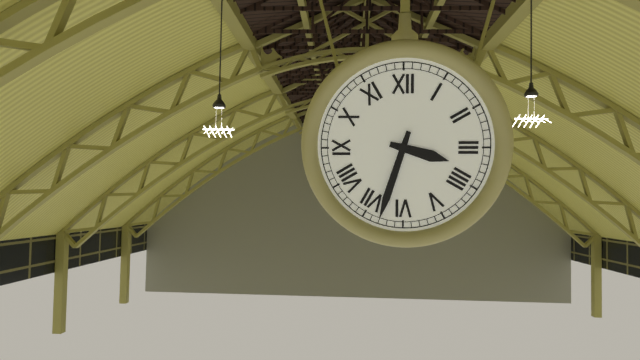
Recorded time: 3:33
